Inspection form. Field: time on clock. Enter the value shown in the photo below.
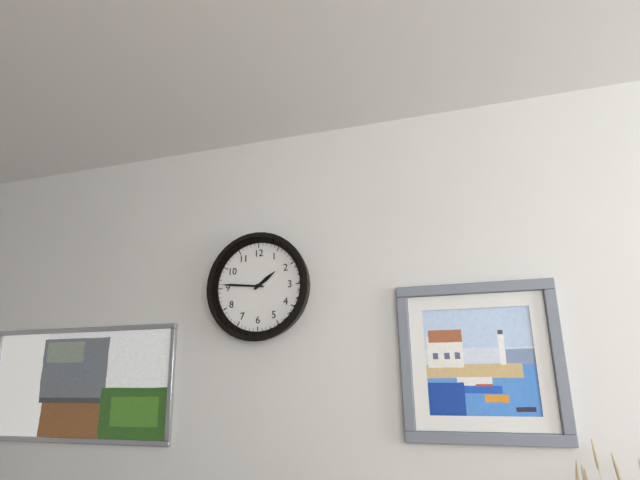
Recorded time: 1:46
